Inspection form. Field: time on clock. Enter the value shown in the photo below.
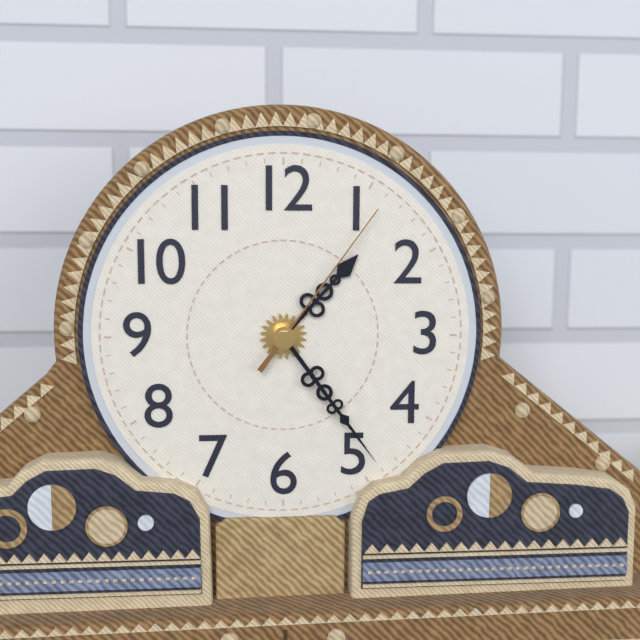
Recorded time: 1:24:06
